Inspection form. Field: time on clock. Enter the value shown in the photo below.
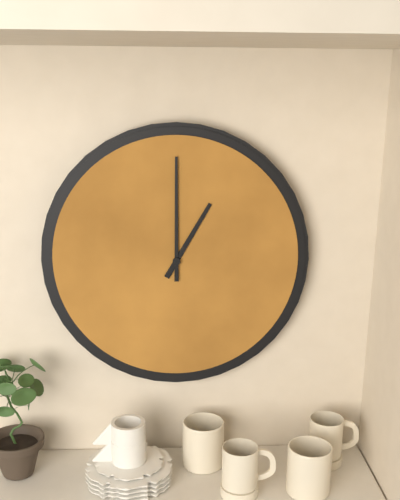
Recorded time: 1:00
